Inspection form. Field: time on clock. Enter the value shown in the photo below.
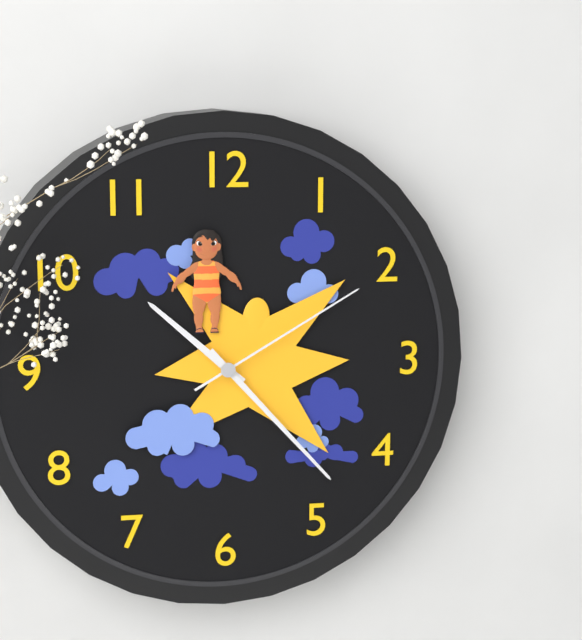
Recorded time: 10:23:10
